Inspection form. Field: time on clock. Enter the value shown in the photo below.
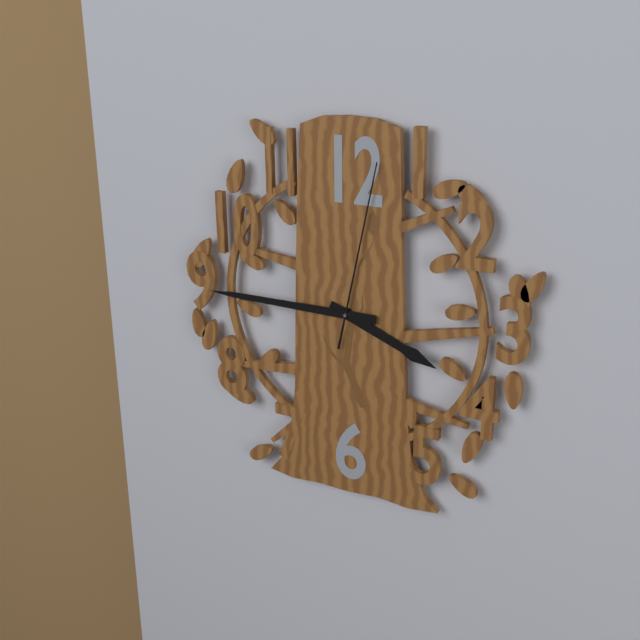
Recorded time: 3:45:02
